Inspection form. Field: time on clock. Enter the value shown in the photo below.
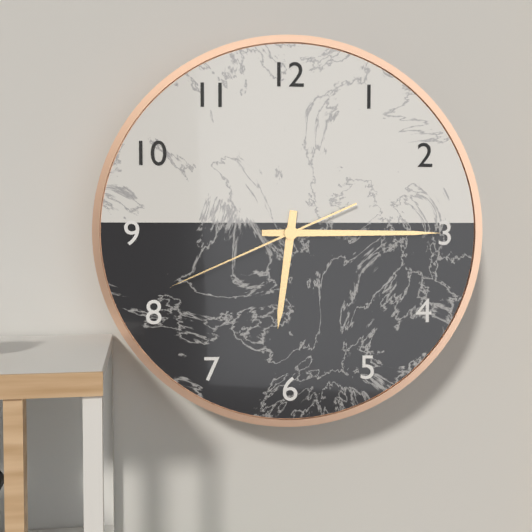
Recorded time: 6:15:41
